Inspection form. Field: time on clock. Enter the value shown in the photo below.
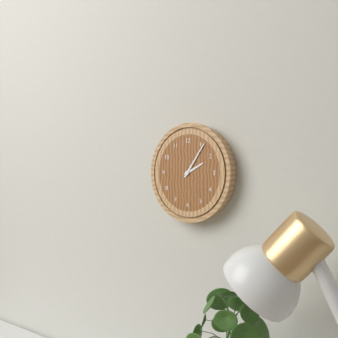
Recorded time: 2:06
